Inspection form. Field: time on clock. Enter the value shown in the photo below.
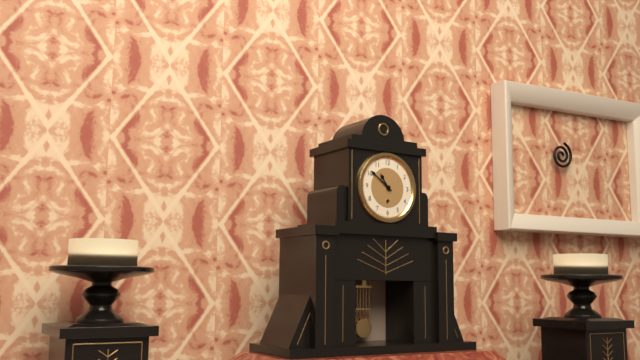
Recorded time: 10:51
